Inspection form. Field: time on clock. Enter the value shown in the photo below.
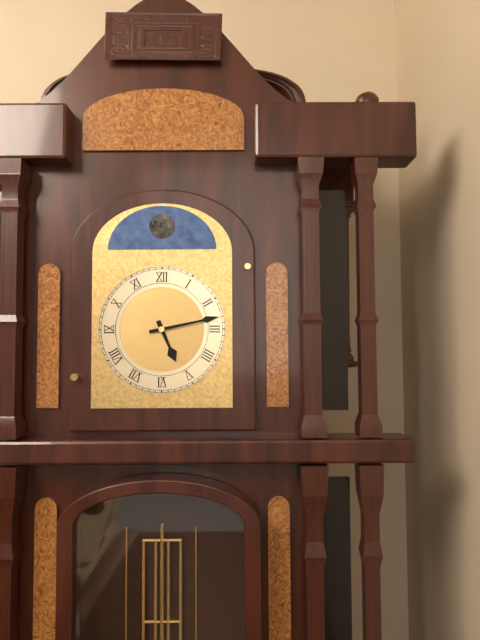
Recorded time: 5:13
